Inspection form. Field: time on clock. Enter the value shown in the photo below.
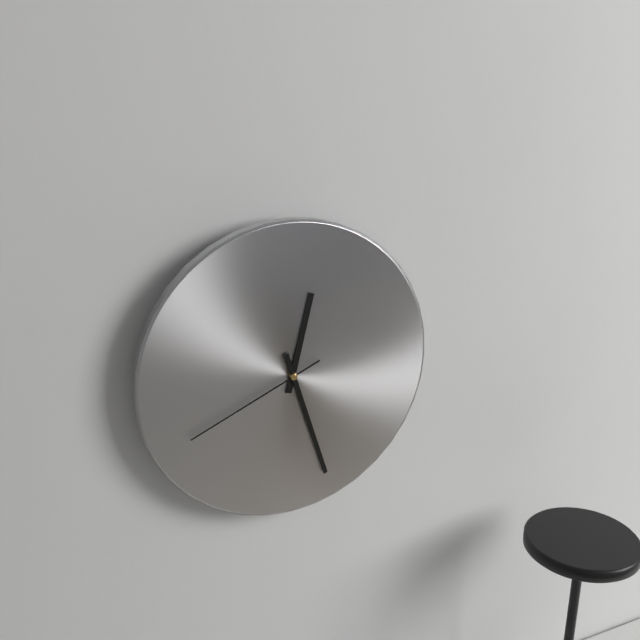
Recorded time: 12:27:41
